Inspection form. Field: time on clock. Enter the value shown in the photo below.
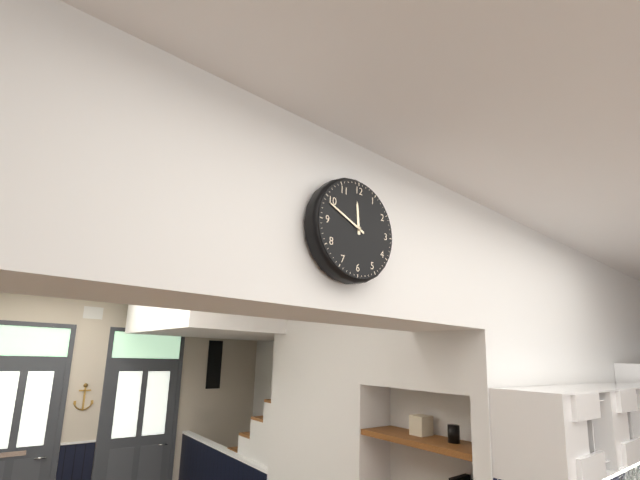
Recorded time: 11:49
